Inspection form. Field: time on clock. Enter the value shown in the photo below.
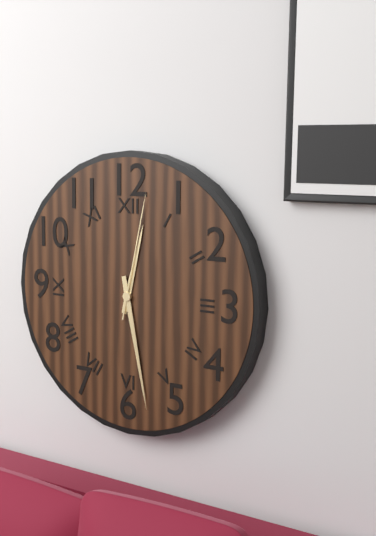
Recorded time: 12:28:02
